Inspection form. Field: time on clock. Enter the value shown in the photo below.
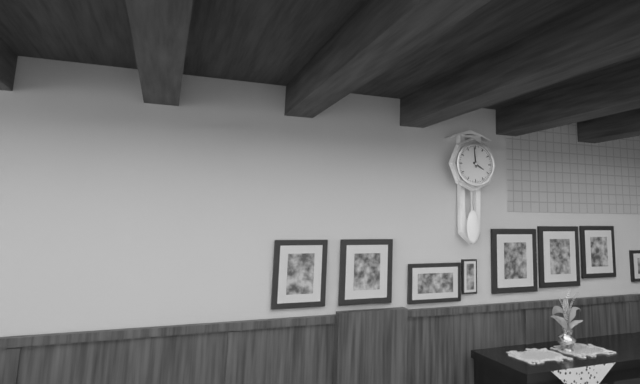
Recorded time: 3:59
